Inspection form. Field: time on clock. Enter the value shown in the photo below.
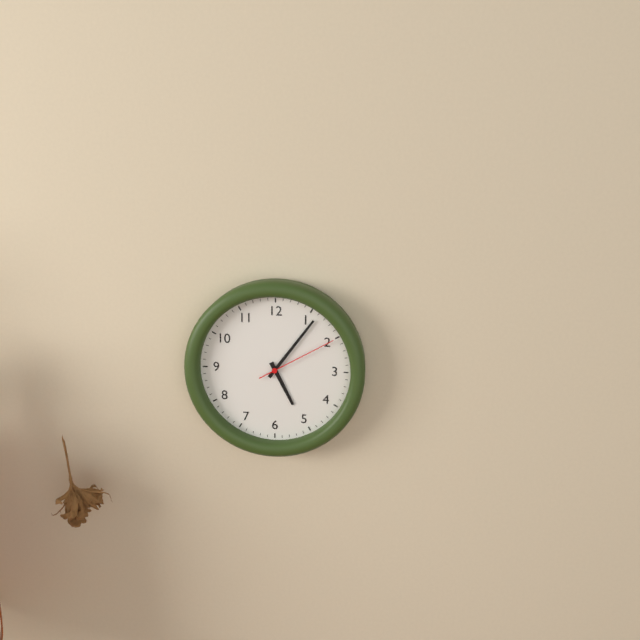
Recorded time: 5:06:10
